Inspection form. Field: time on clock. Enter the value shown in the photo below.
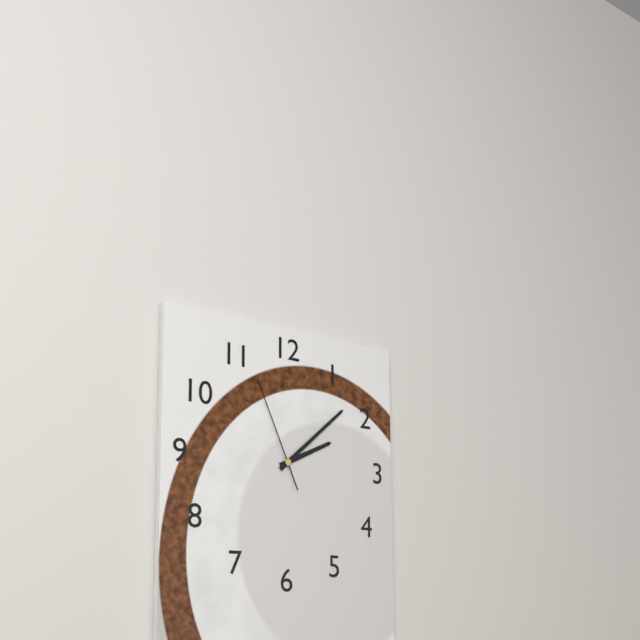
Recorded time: 2:08:56
